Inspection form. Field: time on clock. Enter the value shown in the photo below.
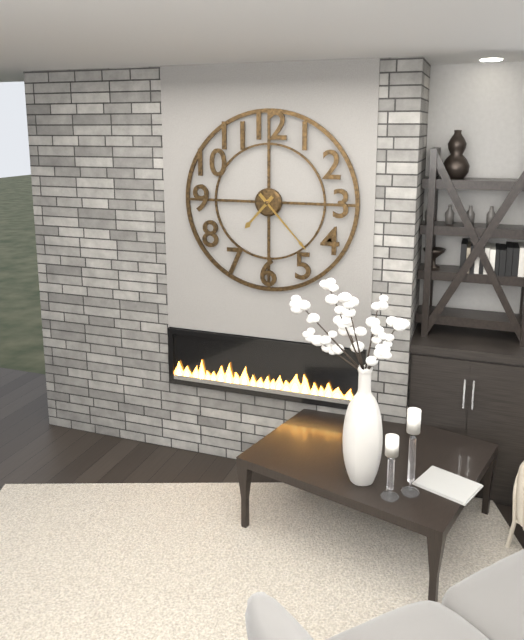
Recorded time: 7:23
